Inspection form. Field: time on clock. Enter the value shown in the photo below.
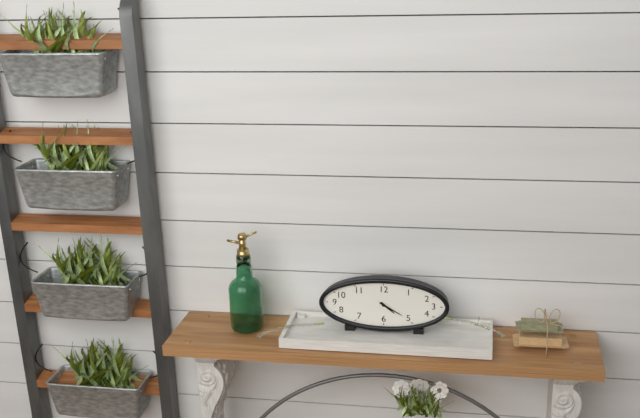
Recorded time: 4:20
